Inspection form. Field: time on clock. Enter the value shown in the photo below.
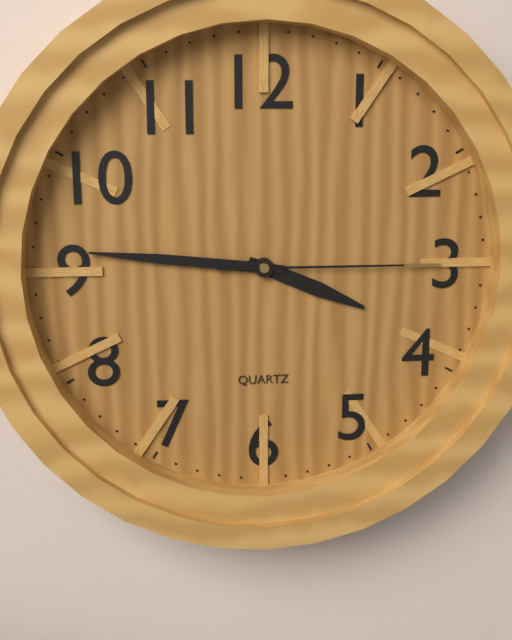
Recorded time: 3:46:15
